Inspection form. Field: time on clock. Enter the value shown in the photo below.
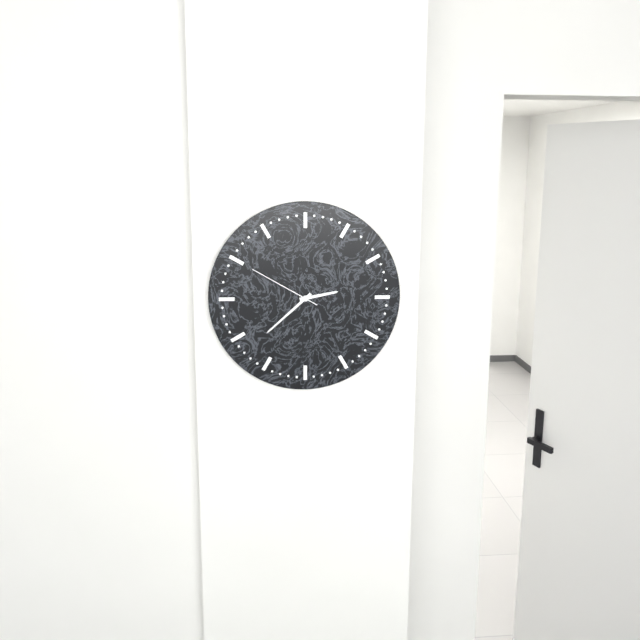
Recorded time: 2:38:50
